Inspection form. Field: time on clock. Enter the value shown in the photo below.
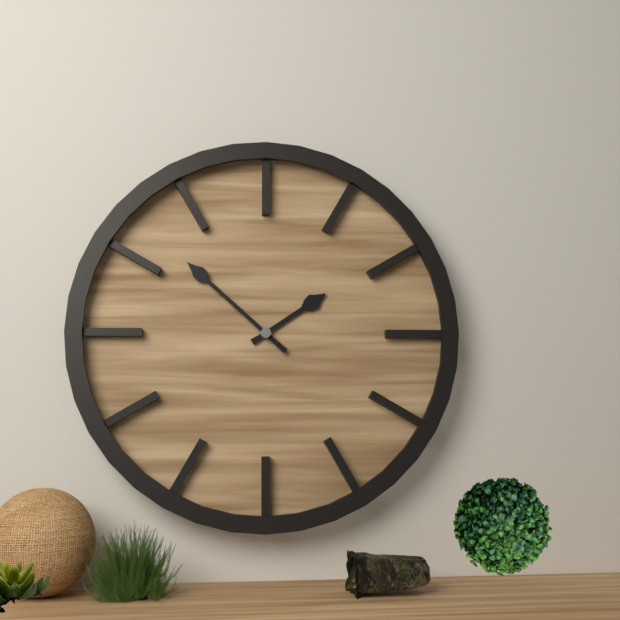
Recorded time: 1:52
